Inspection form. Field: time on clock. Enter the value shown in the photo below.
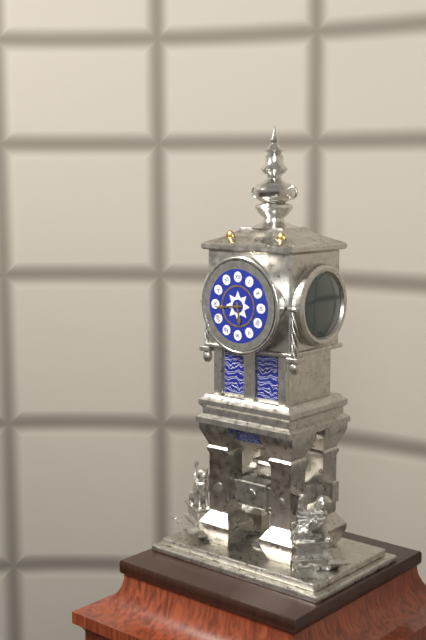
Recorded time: 5:44
